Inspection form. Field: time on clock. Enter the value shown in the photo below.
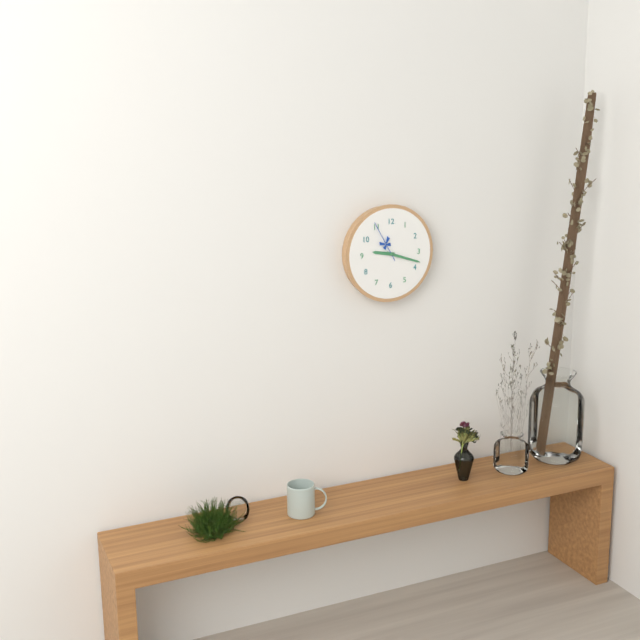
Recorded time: 9:18
